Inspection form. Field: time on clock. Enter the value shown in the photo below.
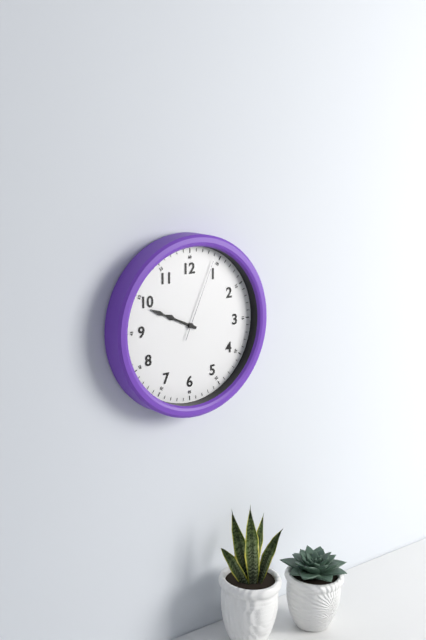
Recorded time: 9:49:04
